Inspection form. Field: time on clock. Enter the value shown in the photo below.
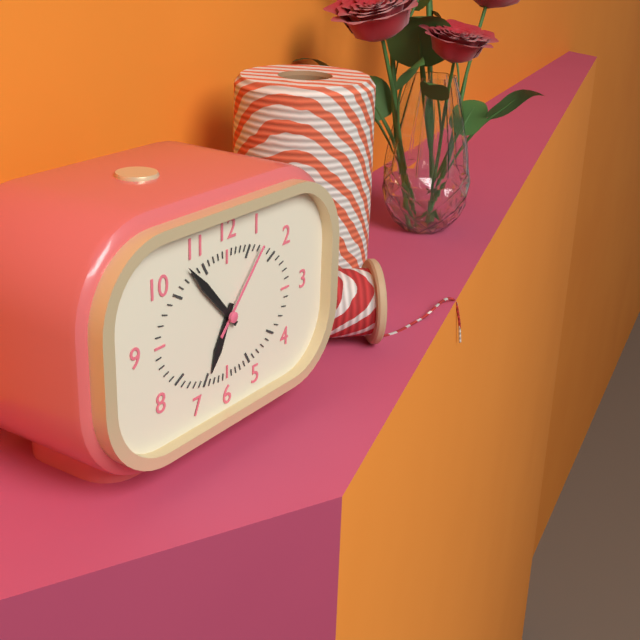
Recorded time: 6:53:07
